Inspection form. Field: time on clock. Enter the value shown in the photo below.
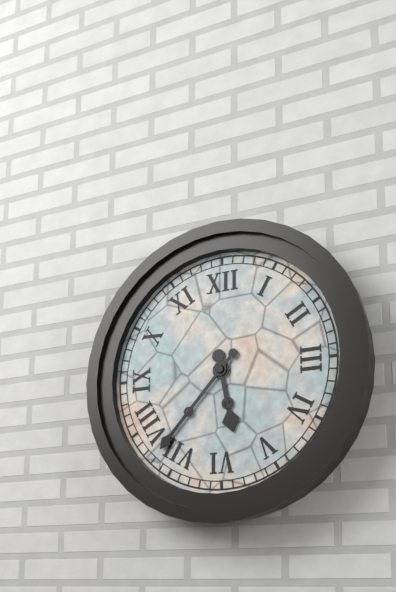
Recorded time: 5:37
